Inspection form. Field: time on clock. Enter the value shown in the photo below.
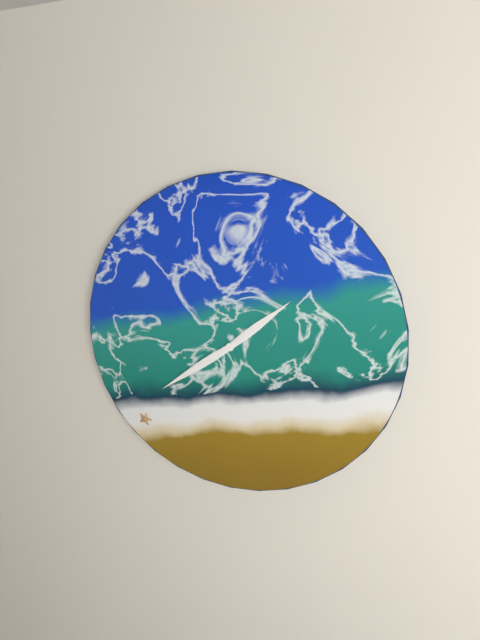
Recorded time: 1:39
